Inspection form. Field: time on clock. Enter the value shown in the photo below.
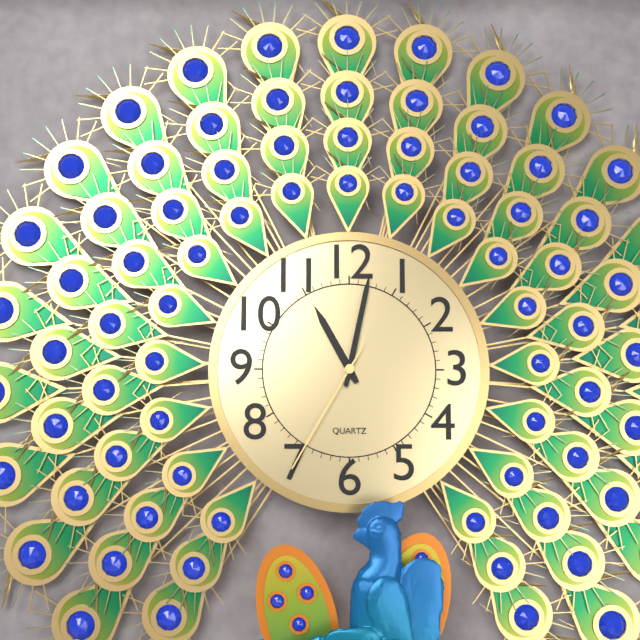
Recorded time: 11:02:35
